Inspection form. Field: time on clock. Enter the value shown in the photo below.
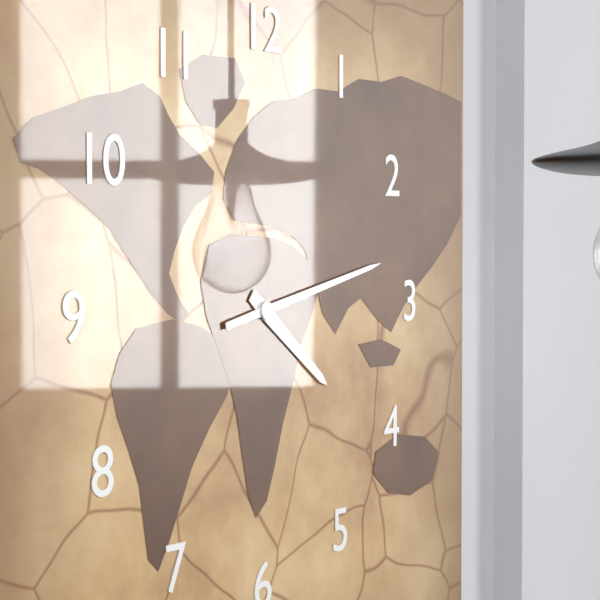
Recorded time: 4:13
